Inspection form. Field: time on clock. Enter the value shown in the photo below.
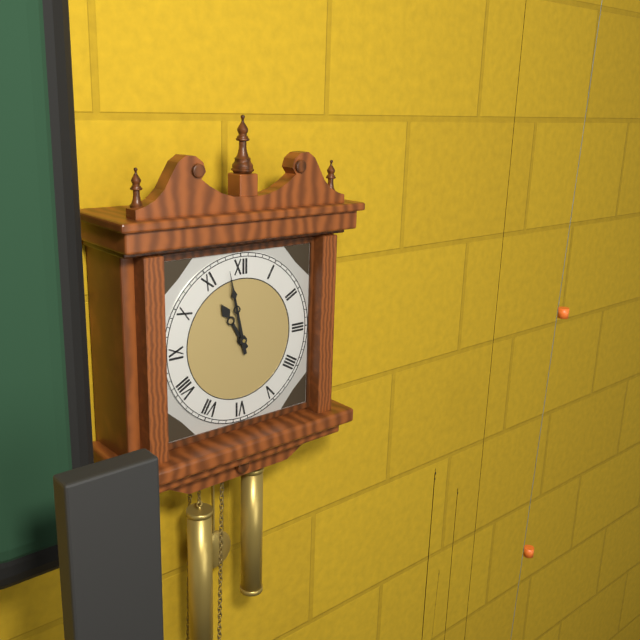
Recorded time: 10:58
